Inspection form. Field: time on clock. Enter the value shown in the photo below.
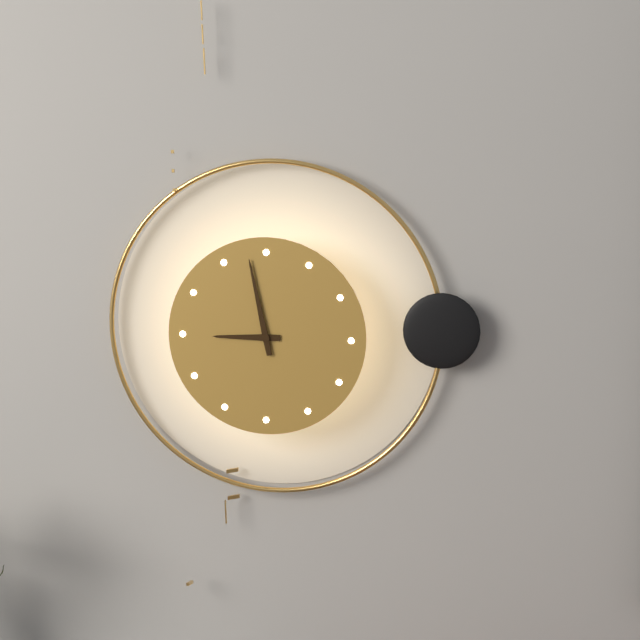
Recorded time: 8:58
